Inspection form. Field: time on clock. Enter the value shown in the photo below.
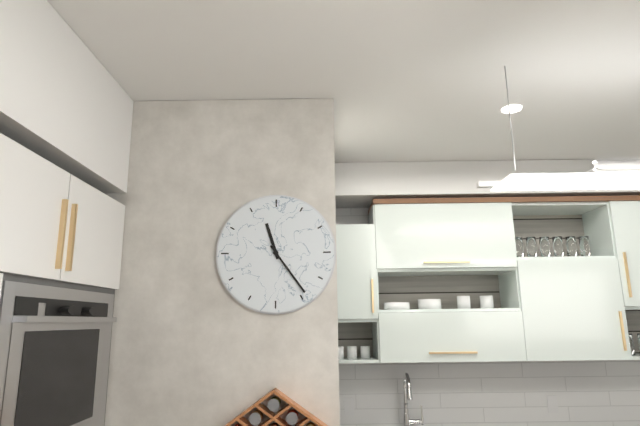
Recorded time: 11:24
